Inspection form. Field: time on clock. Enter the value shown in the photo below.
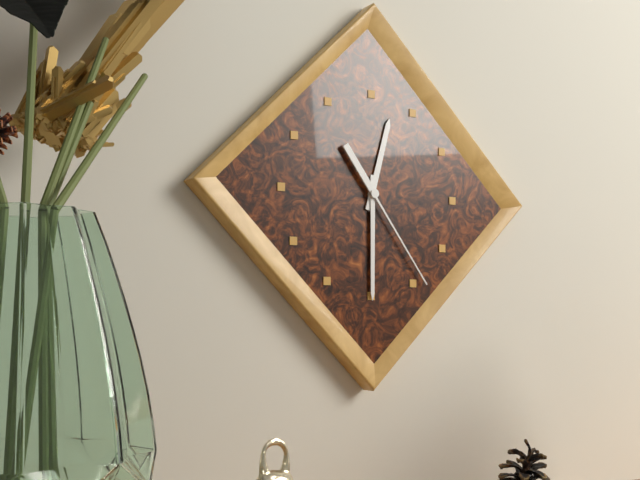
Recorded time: 12:30:24
